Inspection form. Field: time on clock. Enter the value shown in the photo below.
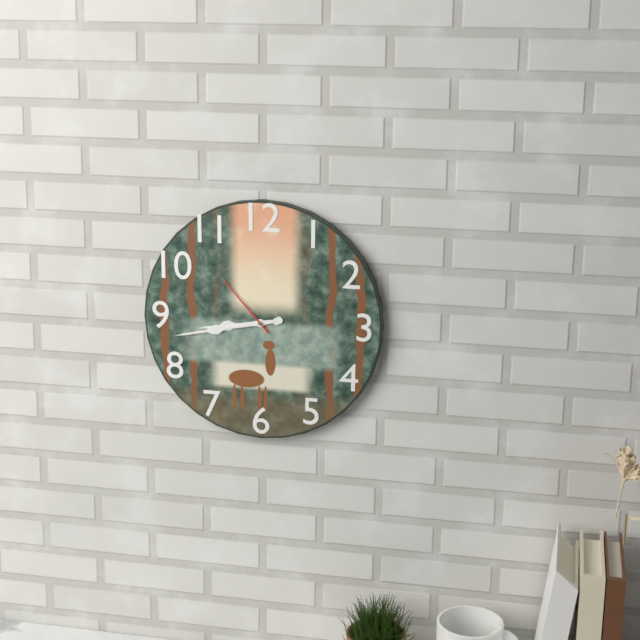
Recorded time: 8:43:53
